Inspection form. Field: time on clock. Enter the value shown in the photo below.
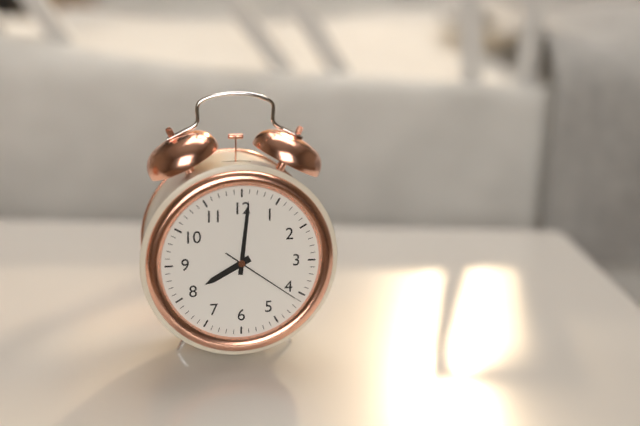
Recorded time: 8:01:21
